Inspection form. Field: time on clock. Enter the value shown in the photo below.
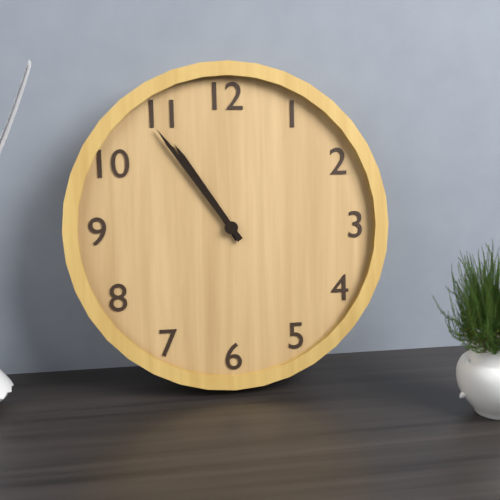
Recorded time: 10:54
